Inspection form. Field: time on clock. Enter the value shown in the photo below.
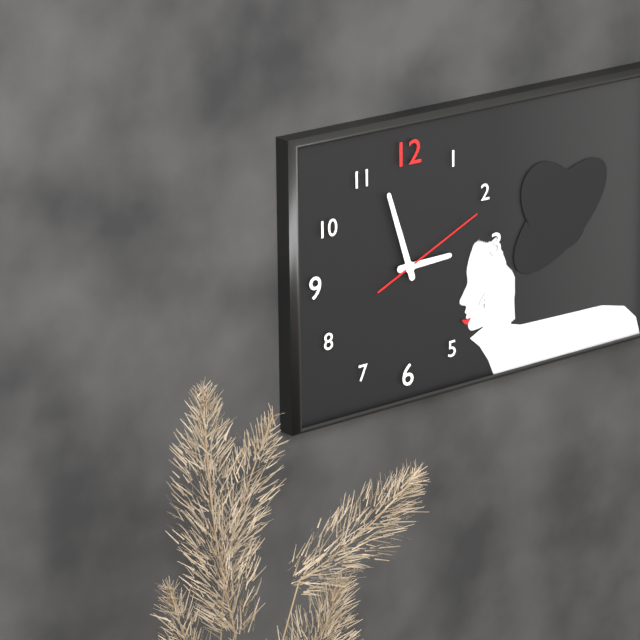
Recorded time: 2:57:11
